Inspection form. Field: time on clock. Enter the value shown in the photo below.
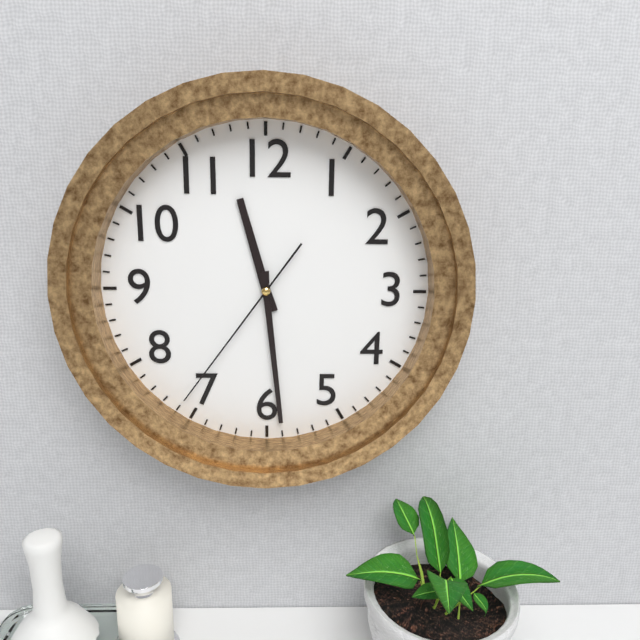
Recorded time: 11:29:36
